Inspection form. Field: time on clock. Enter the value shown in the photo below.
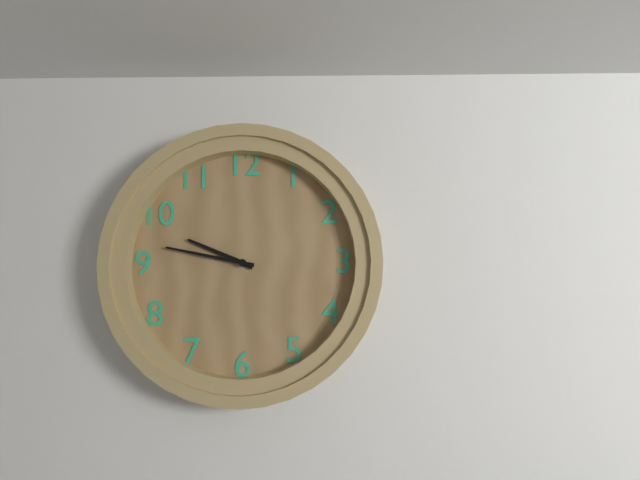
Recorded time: 9:47
